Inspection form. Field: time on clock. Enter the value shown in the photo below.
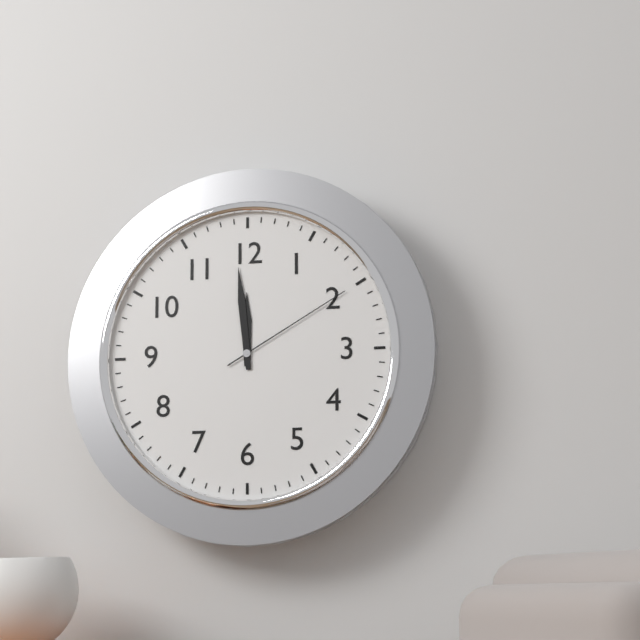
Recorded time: 11:59:10
